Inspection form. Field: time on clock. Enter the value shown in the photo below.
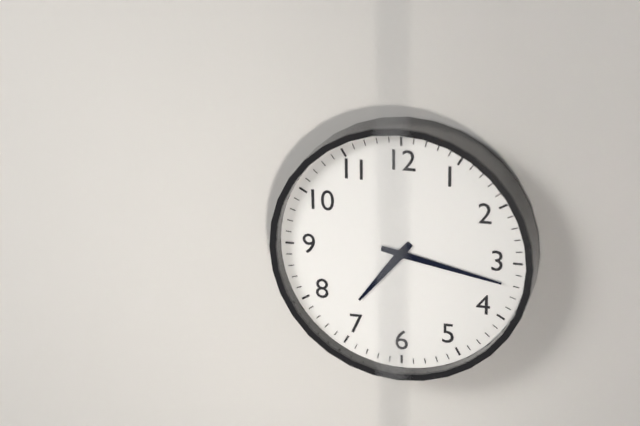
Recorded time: 7:17
